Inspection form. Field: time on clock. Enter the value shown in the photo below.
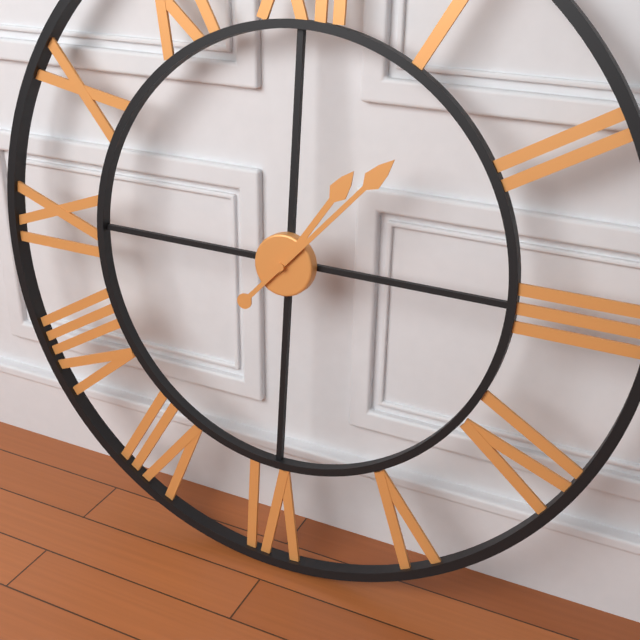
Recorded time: 1:07
